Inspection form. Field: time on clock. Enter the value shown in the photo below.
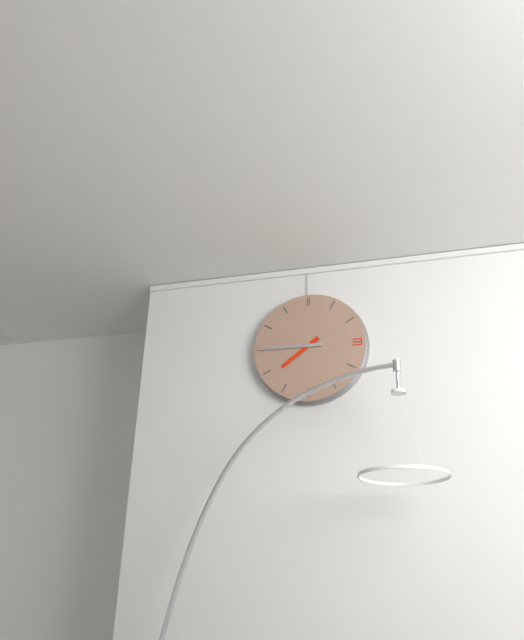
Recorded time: 7:45
